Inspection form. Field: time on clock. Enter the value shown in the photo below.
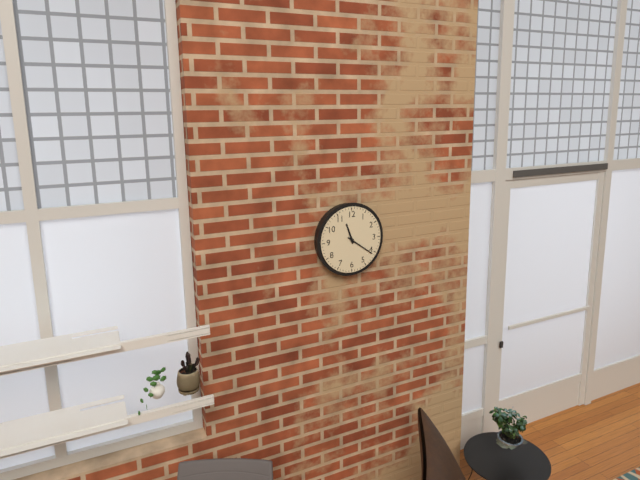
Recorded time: 11:21
